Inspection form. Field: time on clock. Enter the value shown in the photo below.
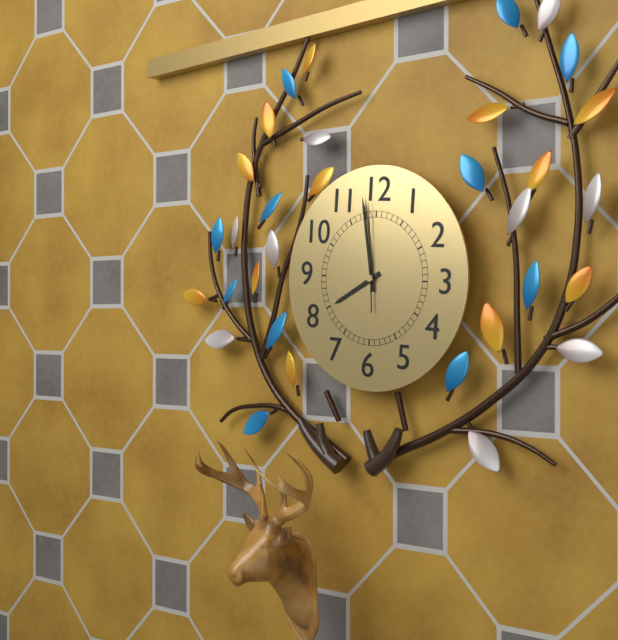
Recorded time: 7:58:59
